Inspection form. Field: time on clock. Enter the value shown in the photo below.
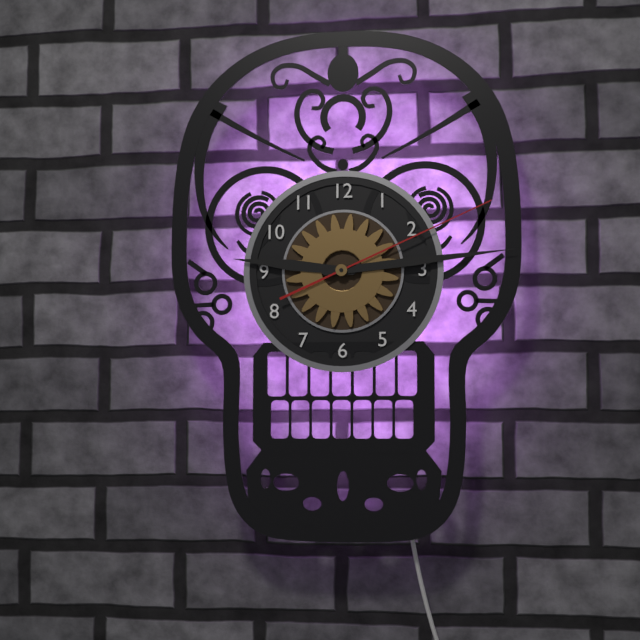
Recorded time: 9:14:11
